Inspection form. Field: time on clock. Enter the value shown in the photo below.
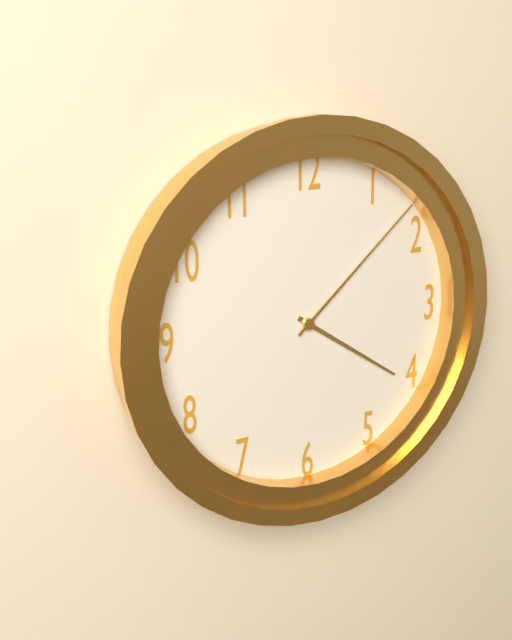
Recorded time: 4:08
